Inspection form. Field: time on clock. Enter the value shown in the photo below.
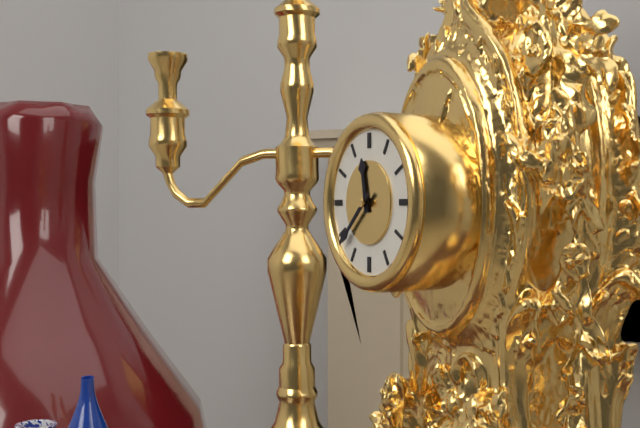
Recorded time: 11:38
